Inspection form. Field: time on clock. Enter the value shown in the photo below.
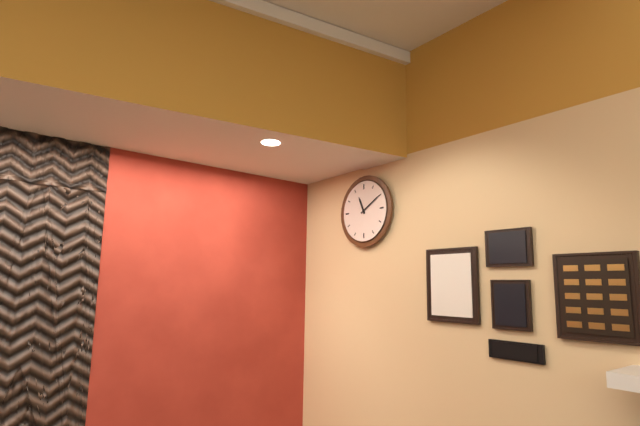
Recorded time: 11:10
